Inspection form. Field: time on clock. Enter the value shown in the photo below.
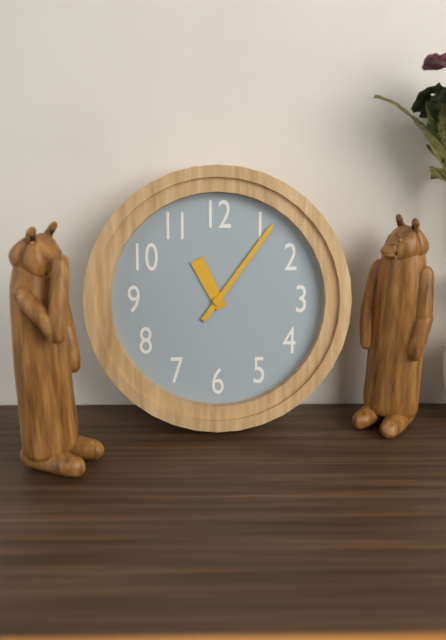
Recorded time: 11:06
